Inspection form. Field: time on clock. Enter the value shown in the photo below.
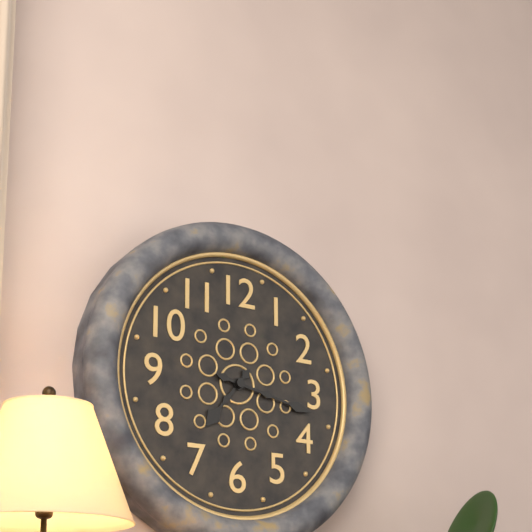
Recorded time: 7:17
